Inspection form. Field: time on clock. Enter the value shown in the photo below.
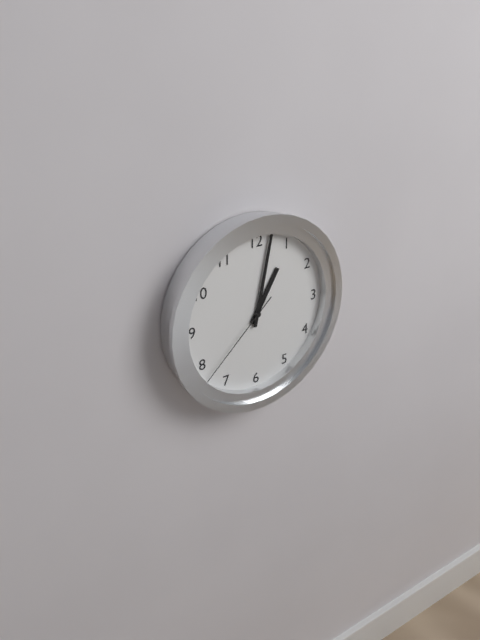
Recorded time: 1:02:38
